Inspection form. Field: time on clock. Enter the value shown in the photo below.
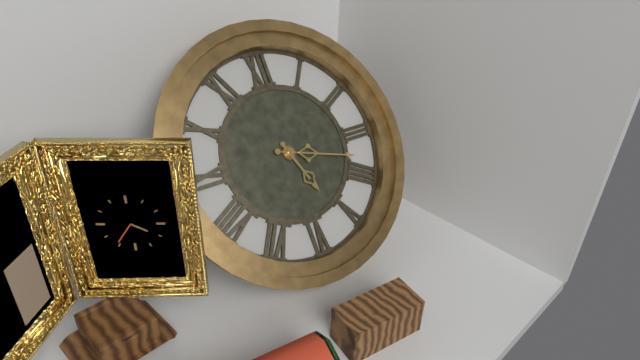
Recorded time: 5:18
